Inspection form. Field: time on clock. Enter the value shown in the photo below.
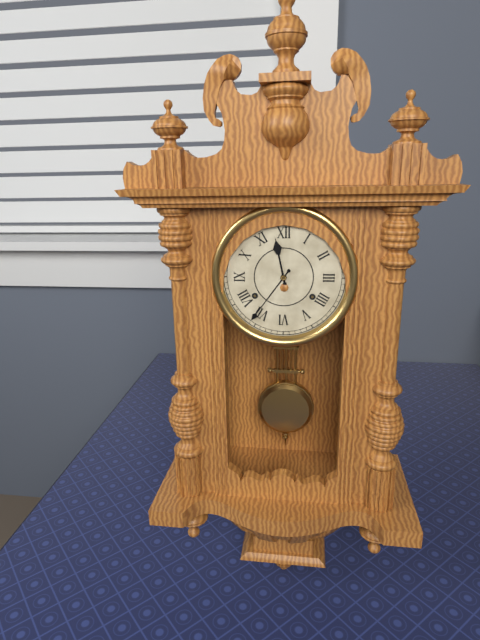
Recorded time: 11:36
